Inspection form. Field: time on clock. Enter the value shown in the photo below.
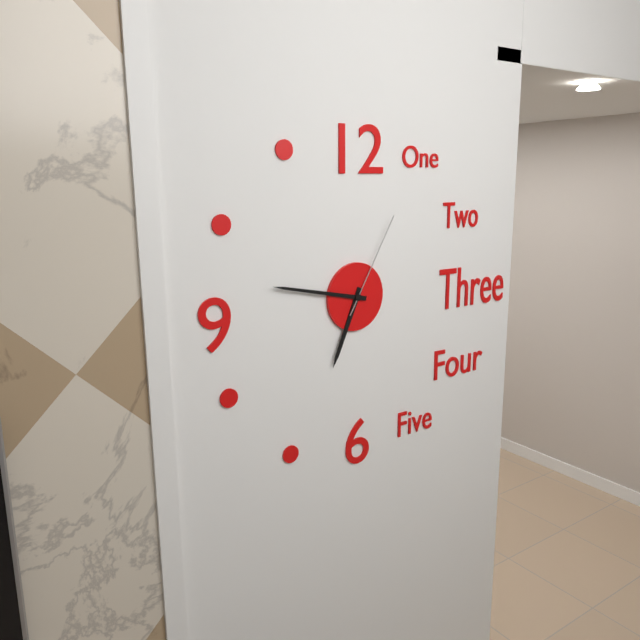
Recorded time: 6:47:05
